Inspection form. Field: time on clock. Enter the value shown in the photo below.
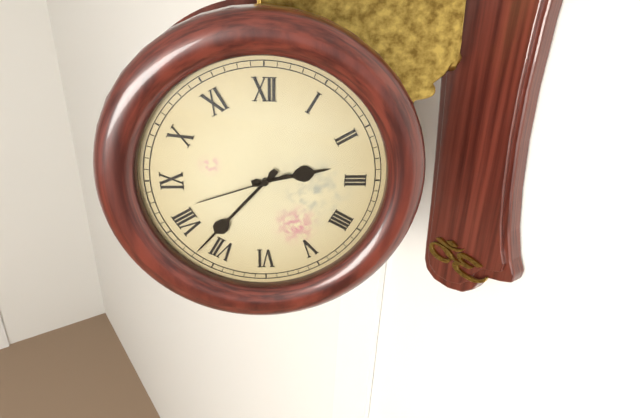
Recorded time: 2:37:42
